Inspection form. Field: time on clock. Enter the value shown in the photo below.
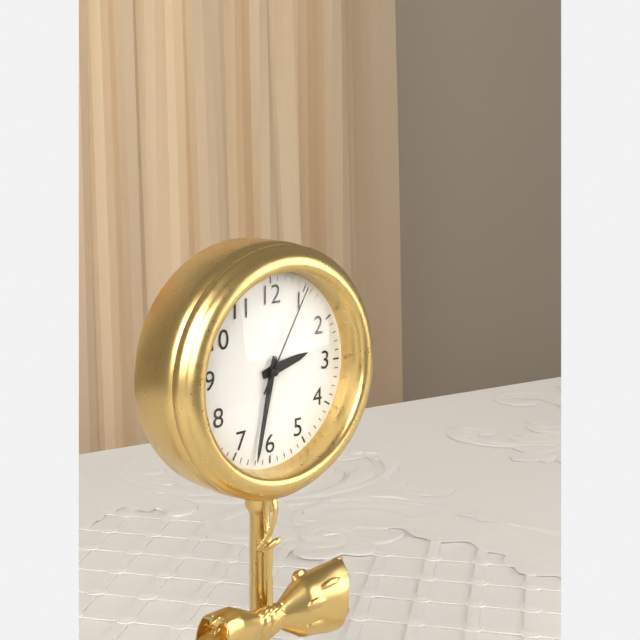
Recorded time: 2:32:05
